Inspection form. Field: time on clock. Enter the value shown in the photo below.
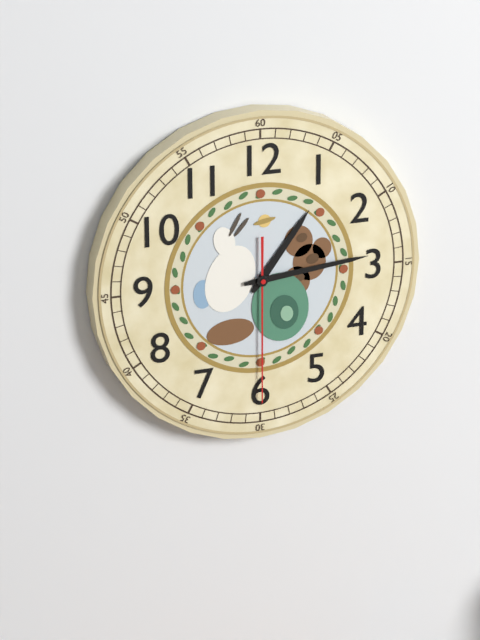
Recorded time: 1:14:30
